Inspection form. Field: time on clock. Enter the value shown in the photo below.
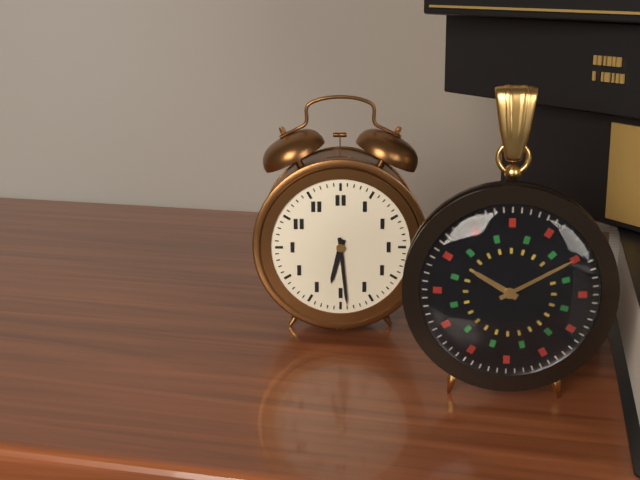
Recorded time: 6:29
